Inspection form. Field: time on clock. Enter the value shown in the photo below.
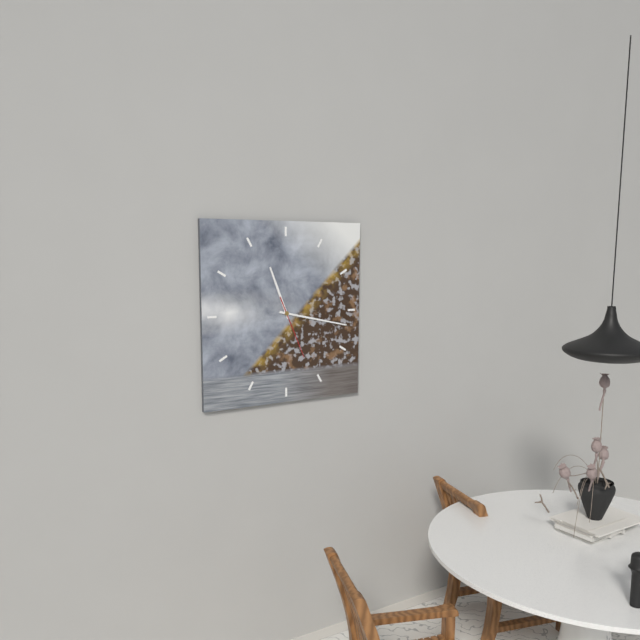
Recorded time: 11:17:26
